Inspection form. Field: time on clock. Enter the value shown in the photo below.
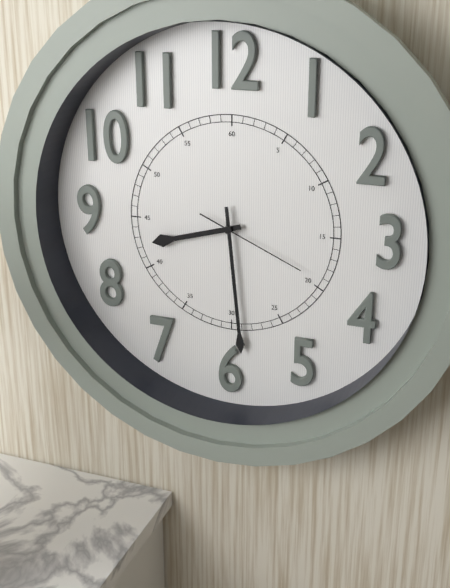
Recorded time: 8:29:19
